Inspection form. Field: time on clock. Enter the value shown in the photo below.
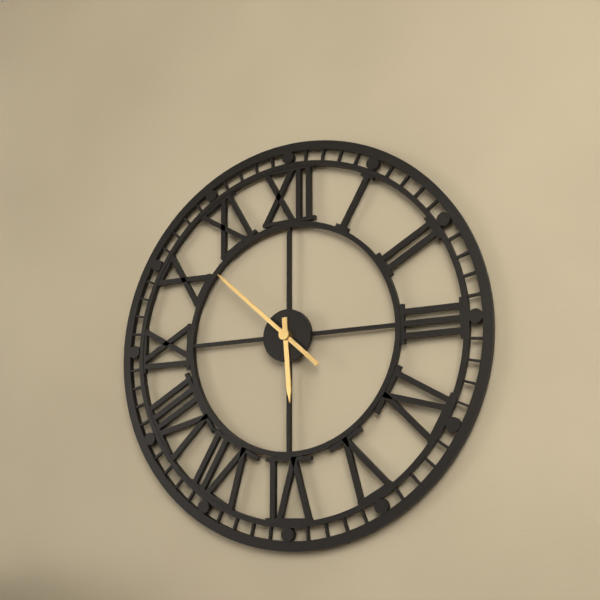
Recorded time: 5:52
